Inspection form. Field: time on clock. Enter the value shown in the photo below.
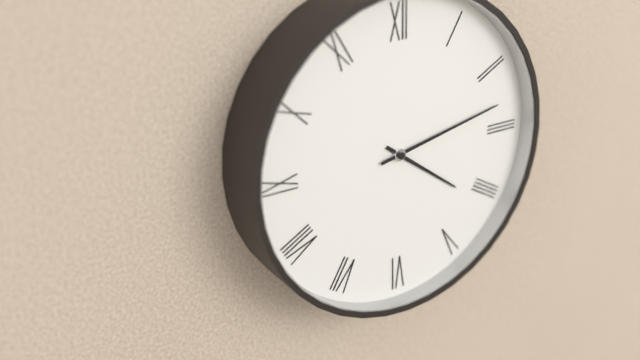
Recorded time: 4:13
